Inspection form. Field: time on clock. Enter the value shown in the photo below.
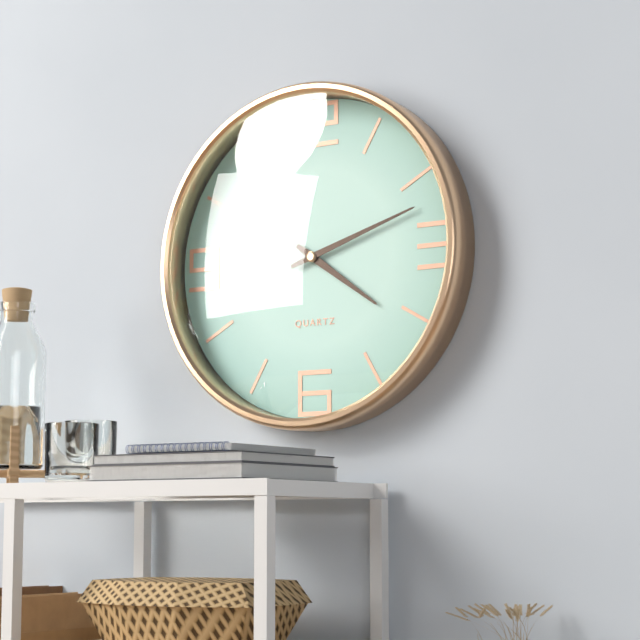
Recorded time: 4:12
